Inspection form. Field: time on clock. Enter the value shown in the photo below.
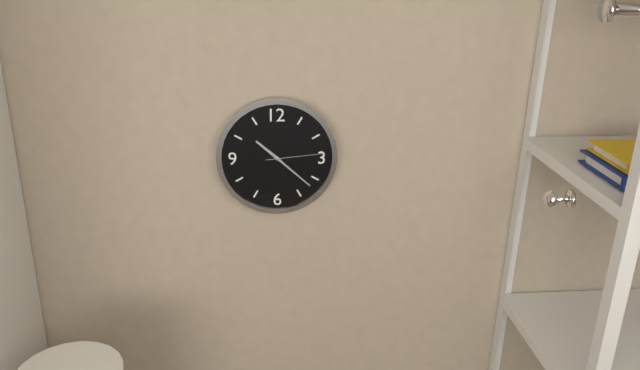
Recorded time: 10:22:14
